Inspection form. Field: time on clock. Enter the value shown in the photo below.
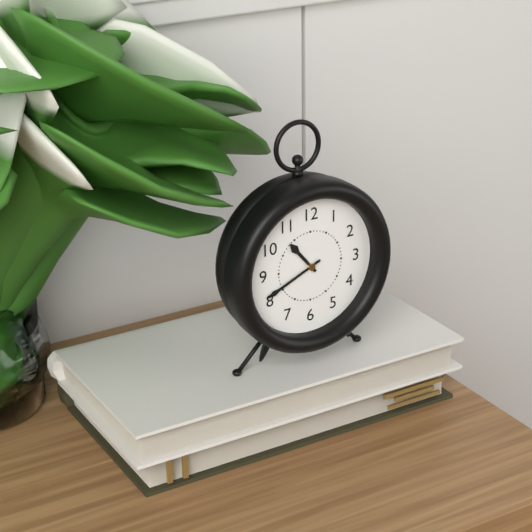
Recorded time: 10:41
